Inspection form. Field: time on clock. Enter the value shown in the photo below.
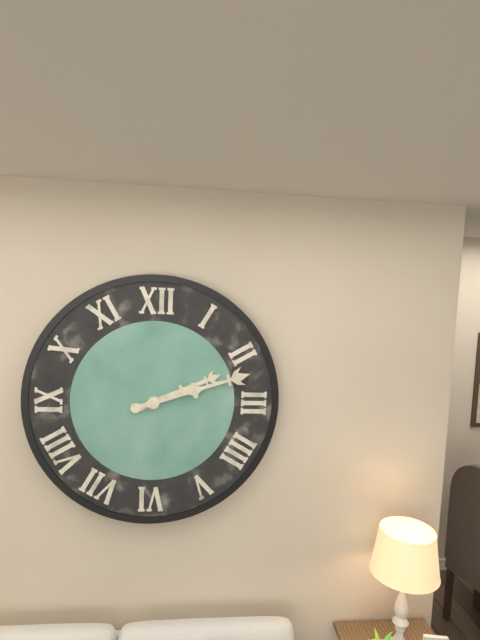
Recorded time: 2:12
